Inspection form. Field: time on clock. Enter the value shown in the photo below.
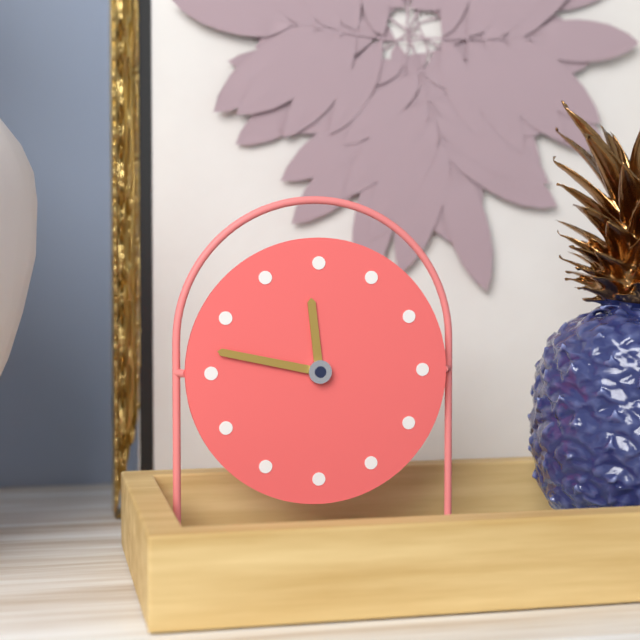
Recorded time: 11:47
